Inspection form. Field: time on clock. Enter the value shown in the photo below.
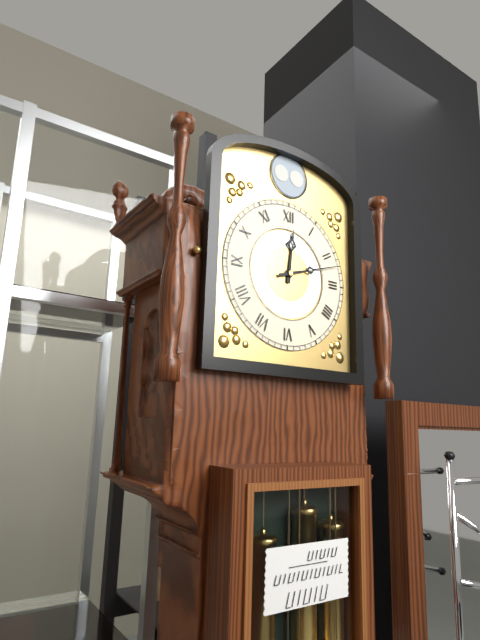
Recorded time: 12:12
